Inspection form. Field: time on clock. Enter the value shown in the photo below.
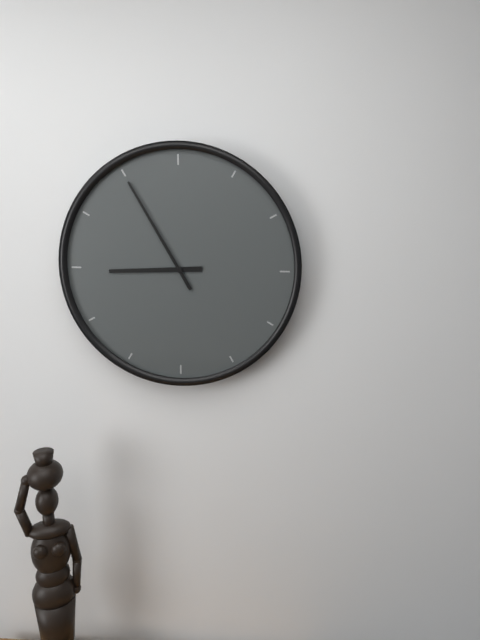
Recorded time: 8:55
